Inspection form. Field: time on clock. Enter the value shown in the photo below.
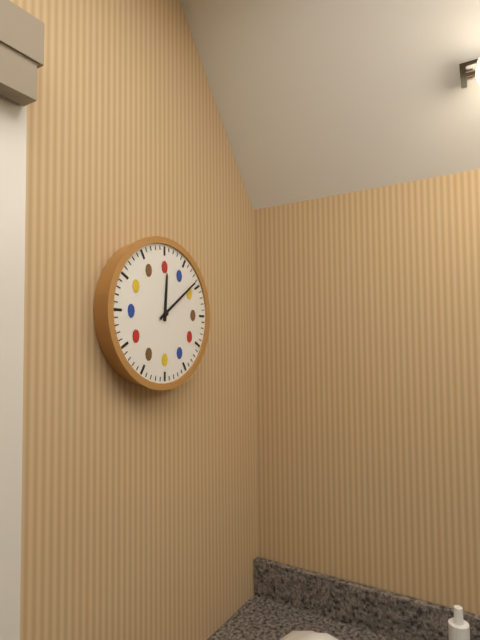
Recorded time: 12:09
